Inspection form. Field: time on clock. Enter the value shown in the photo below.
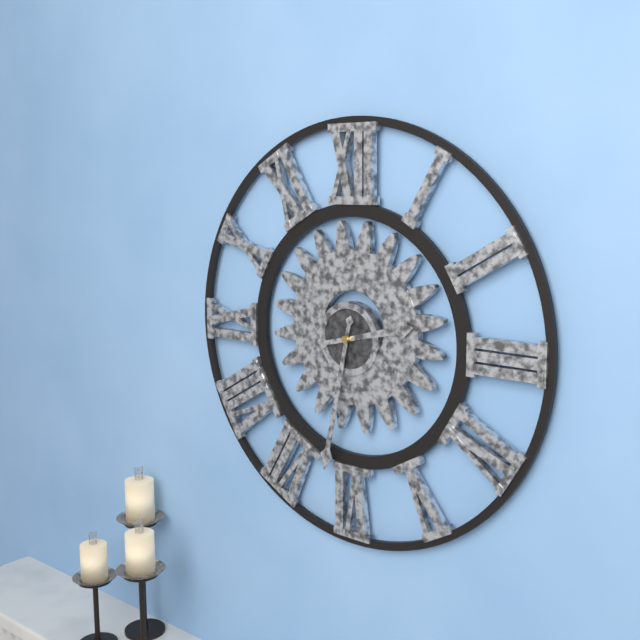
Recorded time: 2:32
